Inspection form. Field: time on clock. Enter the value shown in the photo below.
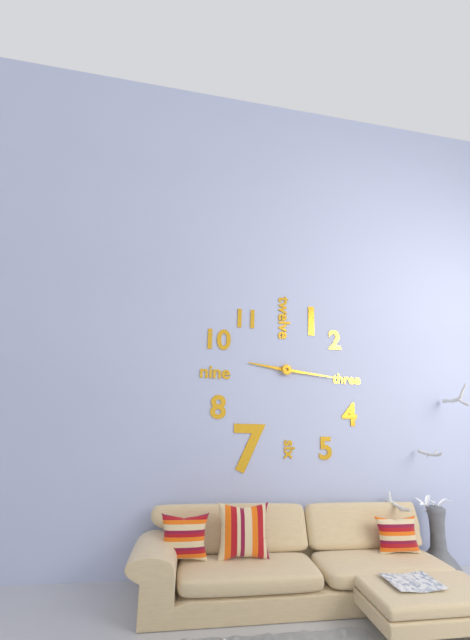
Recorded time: 9:16
